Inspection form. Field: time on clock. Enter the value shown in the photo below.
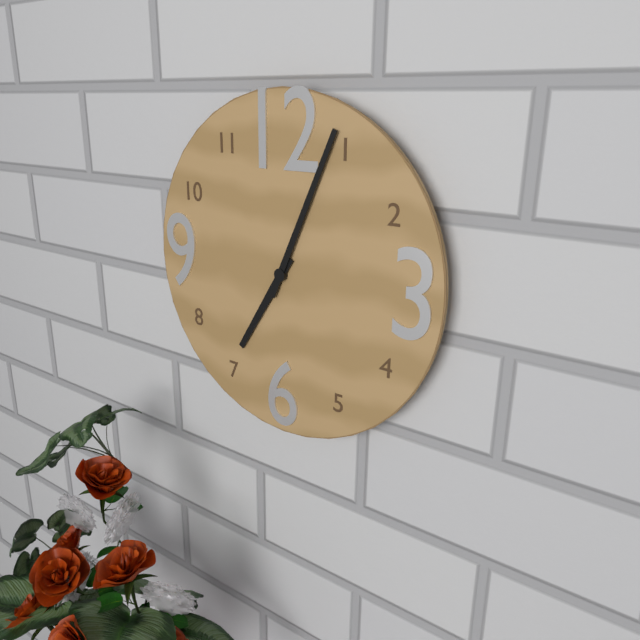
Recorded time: 7:04
